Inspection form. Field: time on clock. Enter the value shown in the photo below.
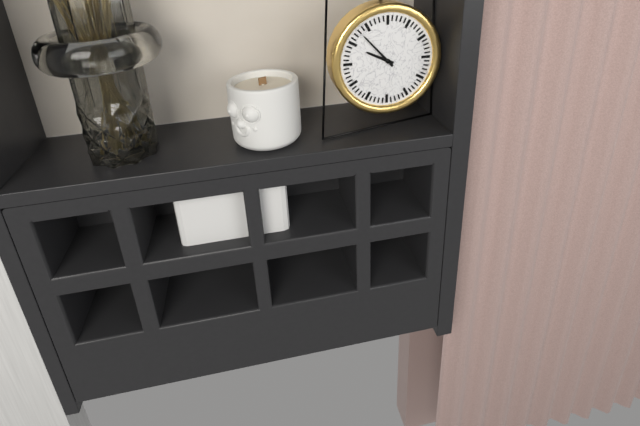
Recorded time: 9:53
